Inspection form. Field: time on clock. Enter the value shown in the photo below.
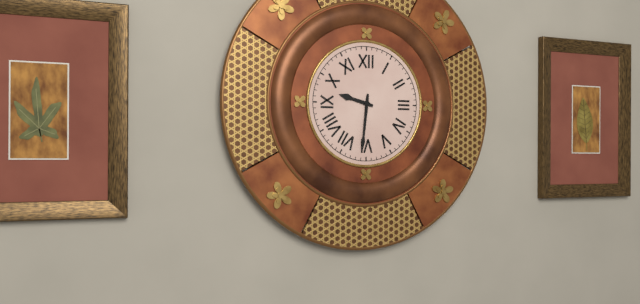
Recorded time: 9:31
